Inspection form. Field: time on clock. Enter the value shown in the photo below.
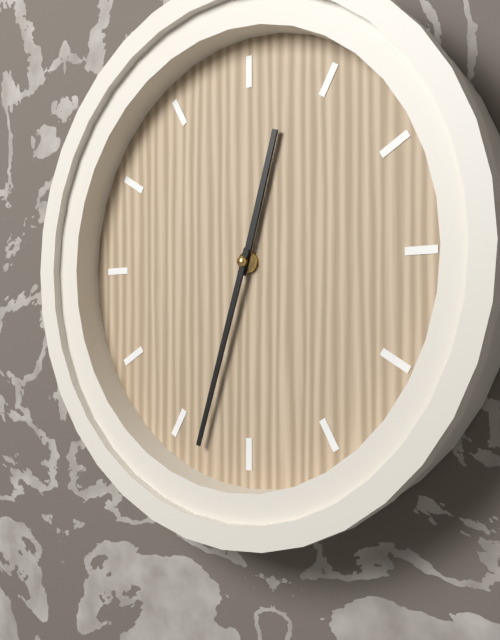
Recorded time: 12:33
